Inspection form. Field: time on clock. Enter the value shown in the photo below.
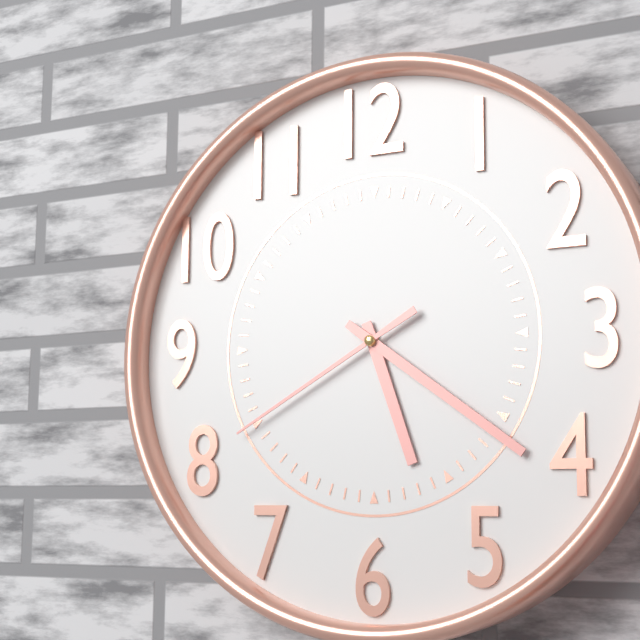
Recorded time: 5:21:40
